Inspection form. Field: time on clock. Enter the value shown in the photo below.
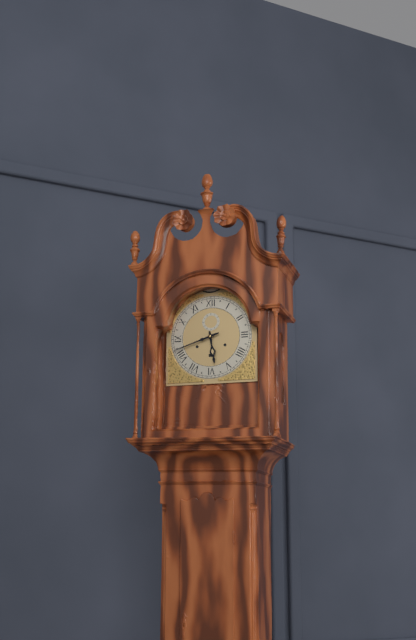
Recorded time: 5:42
